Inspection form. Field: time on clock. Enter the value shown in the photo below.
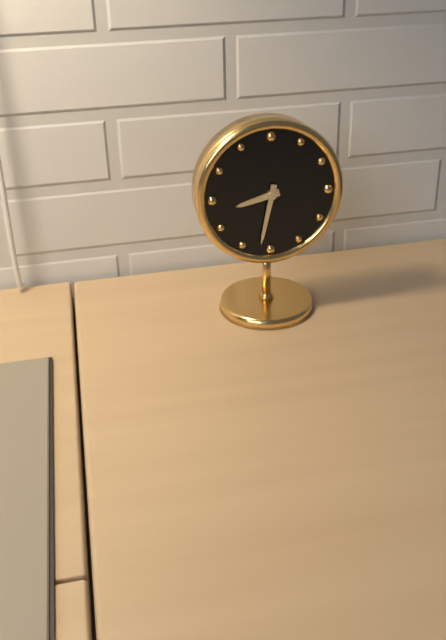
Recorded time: 8:32
